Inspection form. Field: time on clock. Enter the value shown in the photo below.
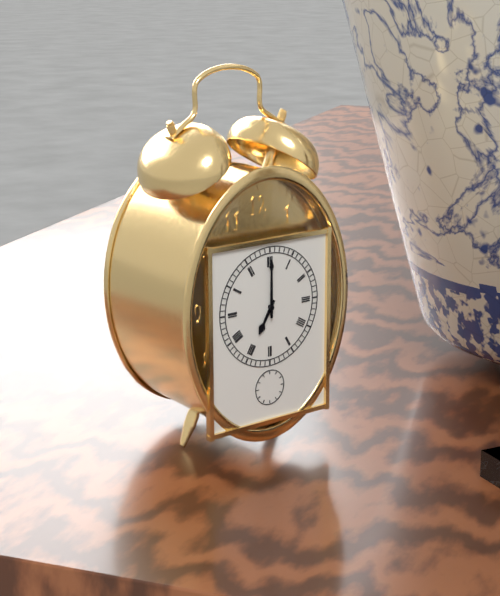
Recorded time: 7:00
